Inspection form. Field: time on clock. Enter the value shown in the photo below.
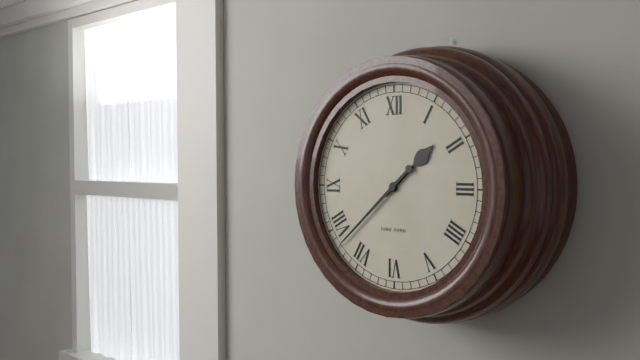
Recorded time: 1:38
